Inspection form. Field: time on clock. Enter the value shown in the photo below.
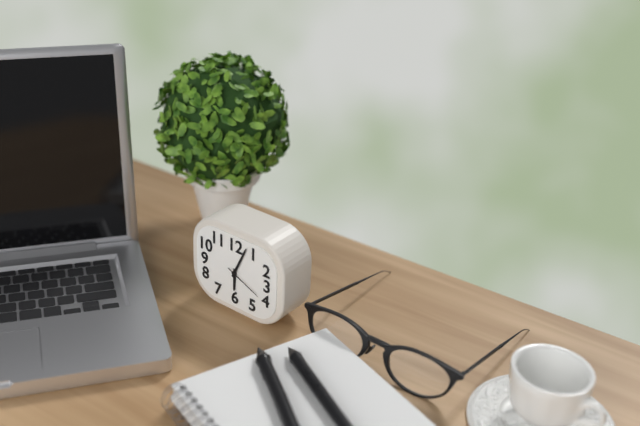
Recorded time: 6:04
